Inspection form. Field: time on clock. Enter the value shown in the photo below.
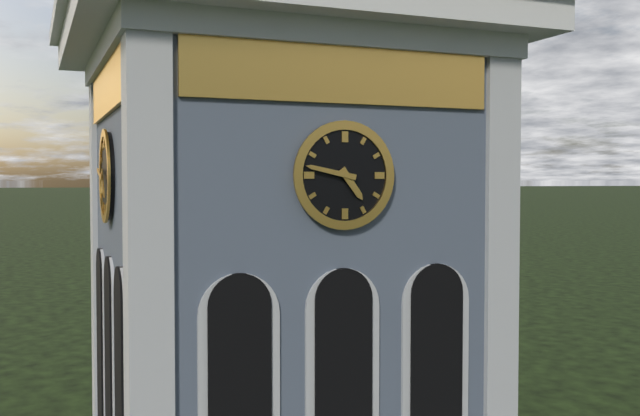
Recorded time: 4:47
